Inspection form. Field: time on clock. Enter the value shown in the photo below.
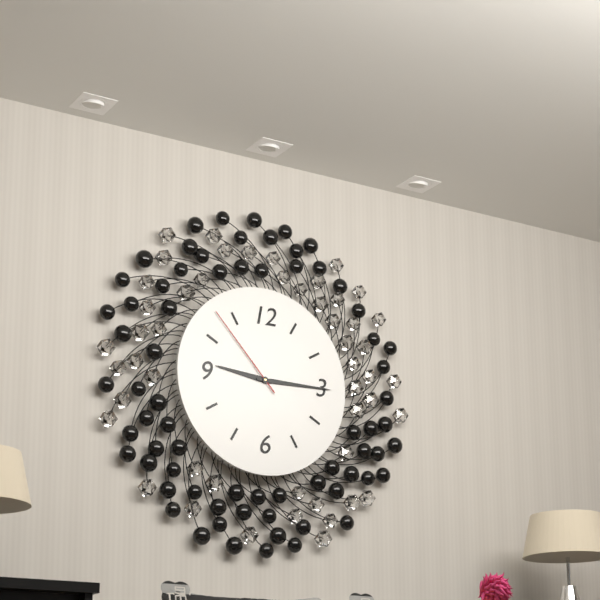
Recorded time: 9:15:53
